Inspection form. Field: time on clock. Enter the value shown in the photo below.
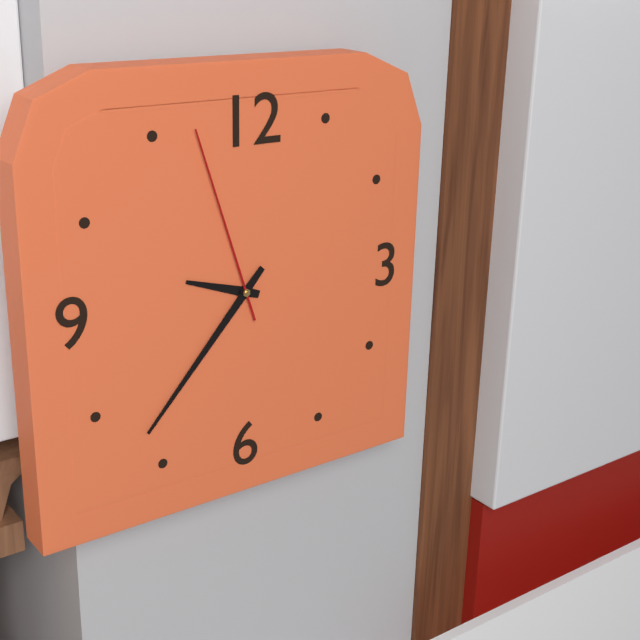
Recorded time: 9:37:57
